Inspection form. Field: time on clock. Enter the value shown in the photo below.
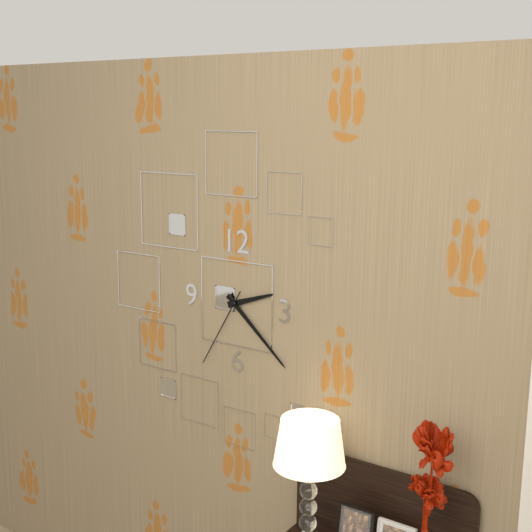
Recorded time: 2:22:35
